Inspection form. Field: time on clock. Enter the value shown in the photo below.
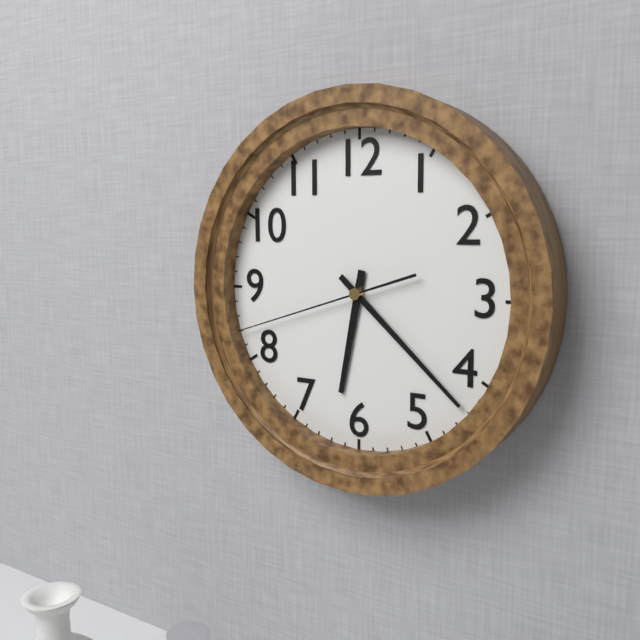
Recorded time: 6:22:42
